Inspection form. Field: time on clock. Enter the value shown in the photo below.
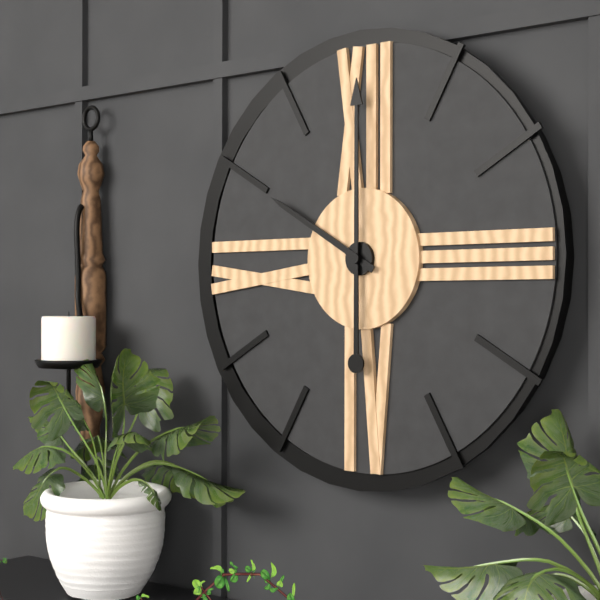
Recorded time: 10:00
